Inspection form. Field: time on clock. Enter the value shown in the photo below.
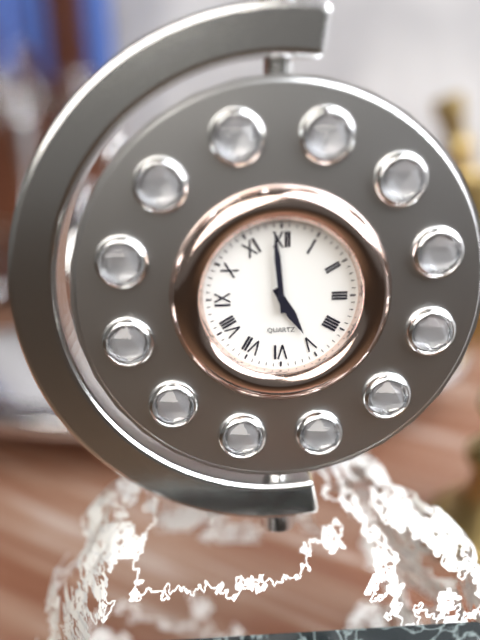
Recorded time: 4:59
